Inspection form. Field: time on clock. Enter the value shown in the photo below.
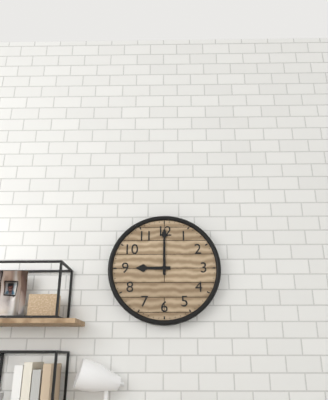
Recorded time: 9:00
